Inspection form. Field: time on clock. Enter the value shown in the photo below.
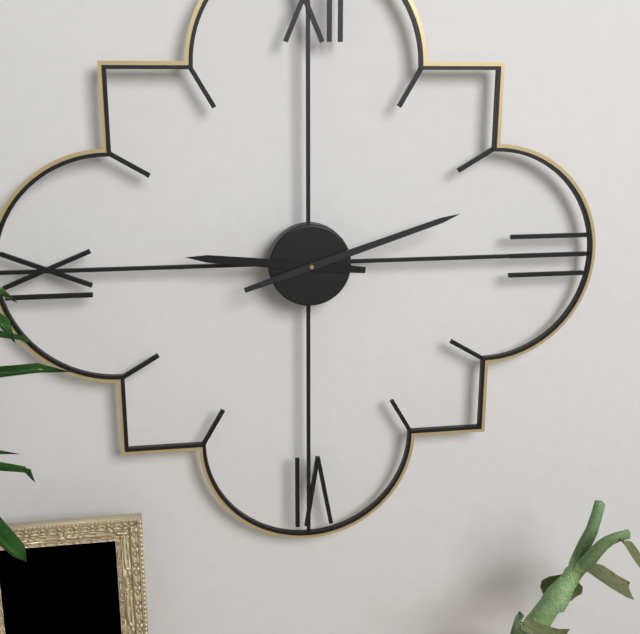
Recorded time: 9:12
